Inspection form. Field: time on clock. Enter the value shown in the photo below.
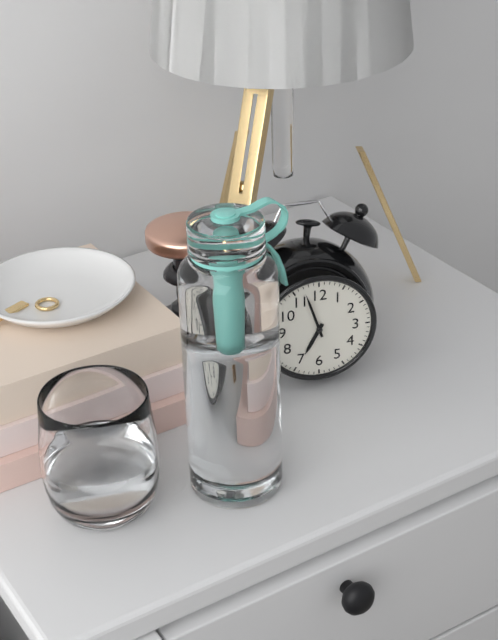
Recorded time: 6:57
